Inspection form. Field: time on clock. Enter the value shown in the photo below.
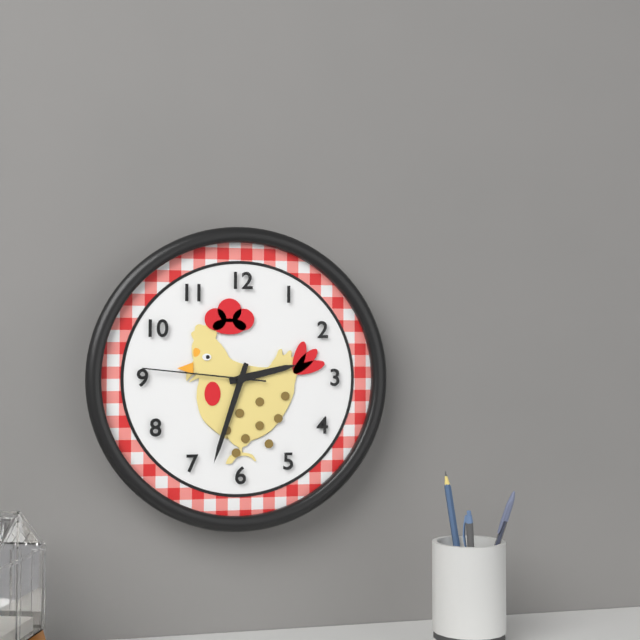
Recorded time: 2:33:46
